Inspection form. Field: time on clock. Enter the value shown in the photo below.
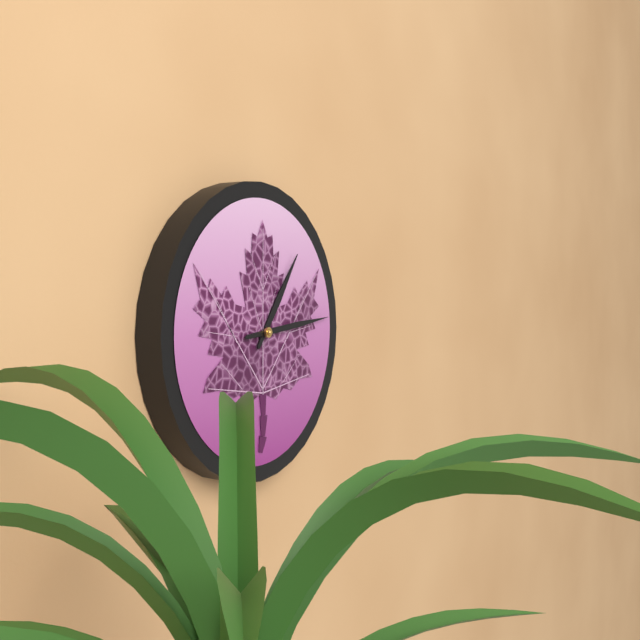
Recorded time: 1:14
